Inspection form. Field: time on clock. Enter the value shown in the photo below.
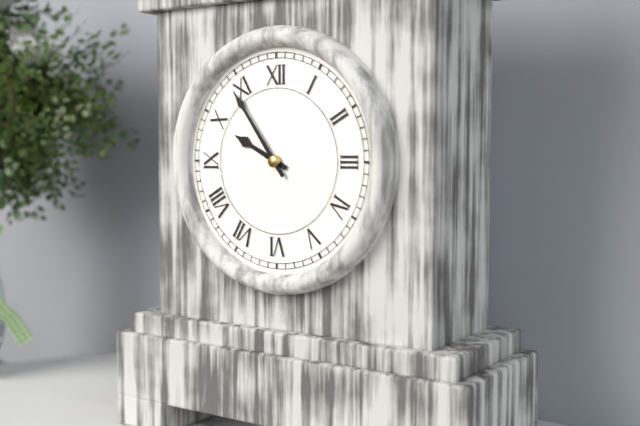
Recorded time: 9:54
